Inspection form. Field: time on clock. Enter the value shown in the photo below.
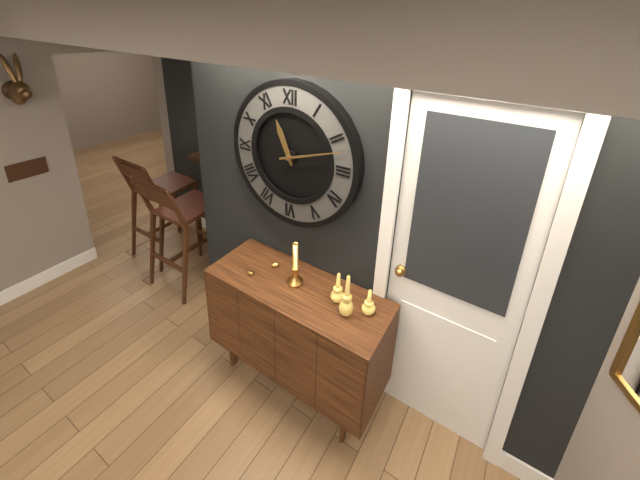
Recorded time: 11:12
